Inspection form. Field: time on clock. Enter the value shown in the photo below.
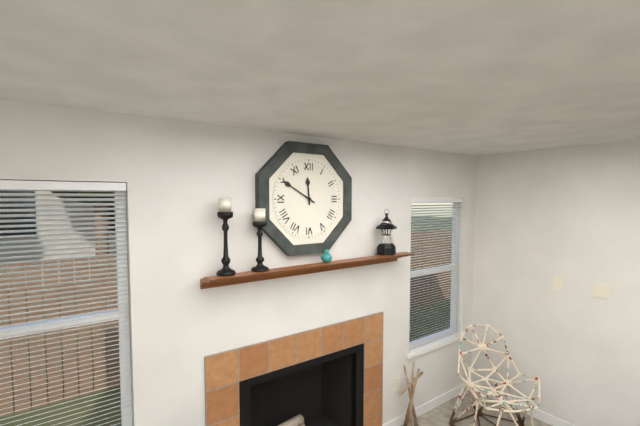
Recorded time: 11:50
